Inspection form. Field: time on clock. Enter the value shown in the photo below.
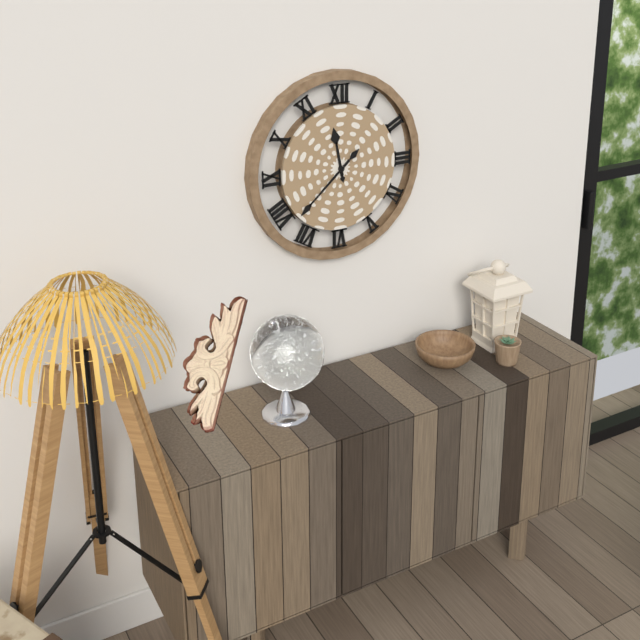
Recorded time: 11:38
